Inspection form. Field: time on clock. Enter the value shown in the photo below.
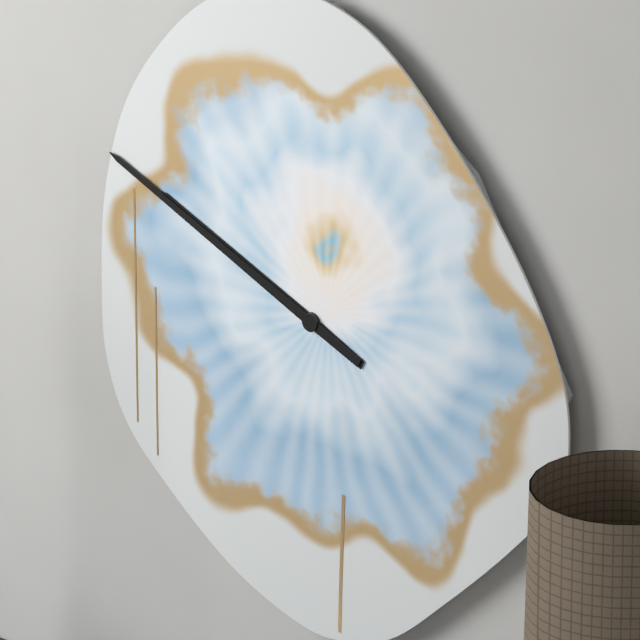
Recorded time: 9:49
